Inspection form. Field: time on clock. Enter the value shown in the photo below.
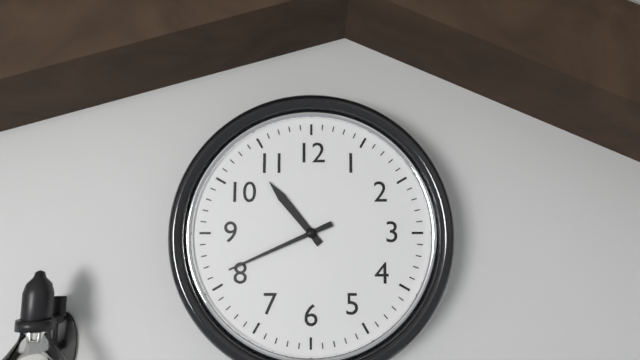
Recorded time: 10:41
